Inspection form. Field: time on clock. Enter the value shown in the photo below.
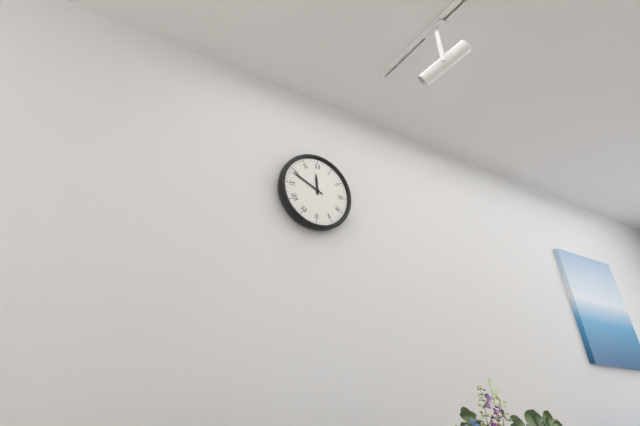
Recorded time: 11:49
